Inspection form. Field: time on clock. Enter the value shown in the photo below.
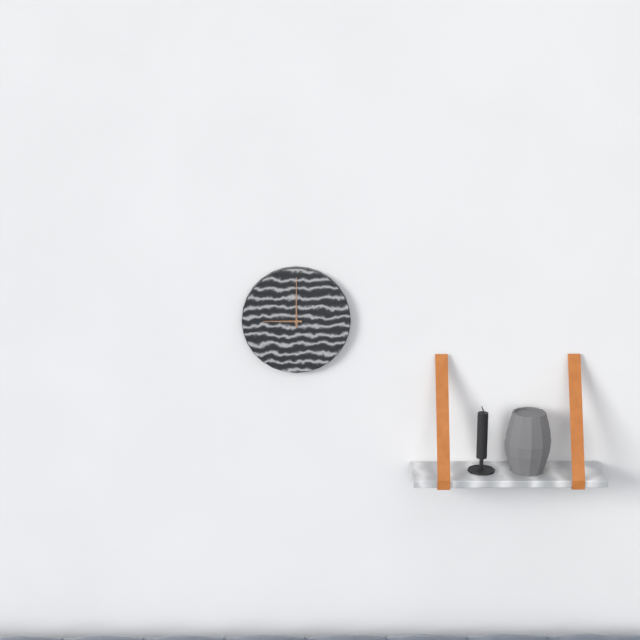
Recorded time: 9:00
